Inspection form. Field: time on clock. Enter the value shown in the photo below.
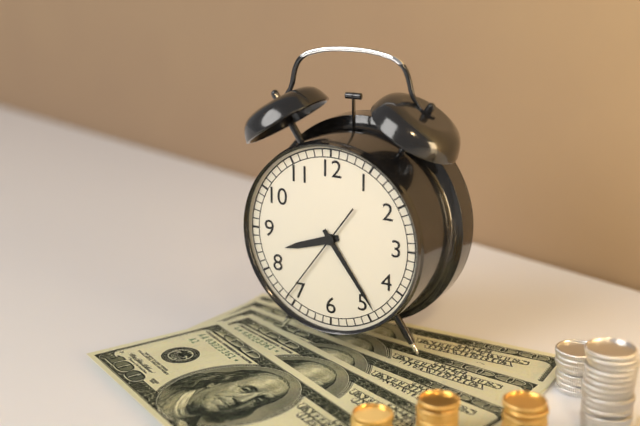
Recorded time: 8:24:36
